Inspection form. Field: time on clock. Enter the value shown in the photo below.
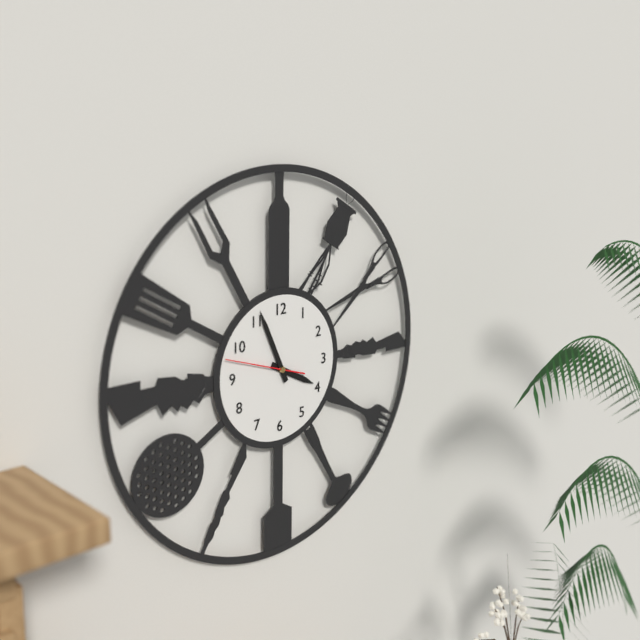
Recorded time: 3:56:48
